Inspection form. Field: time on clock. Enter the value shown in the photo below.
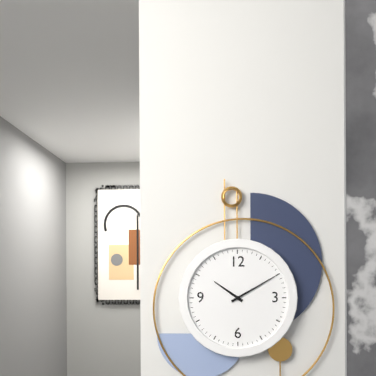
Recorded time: 10:10
